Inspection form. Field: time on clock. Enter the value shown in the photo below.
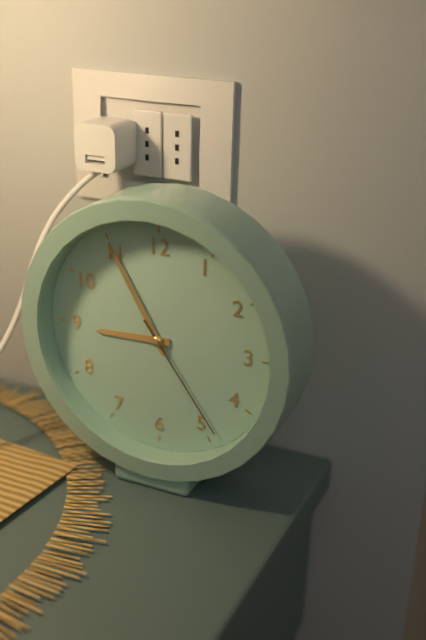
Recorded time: 8:55:24
